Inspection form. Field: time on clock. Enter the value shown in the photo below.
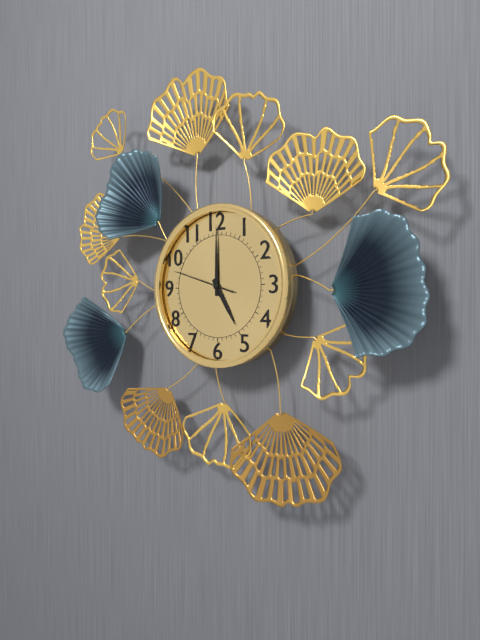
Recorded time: 5:00:48
